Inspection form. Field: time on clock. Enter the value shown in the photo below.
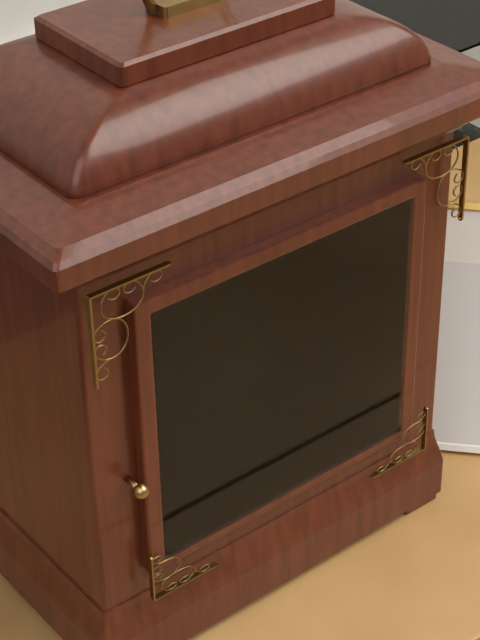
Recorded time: 9:10
